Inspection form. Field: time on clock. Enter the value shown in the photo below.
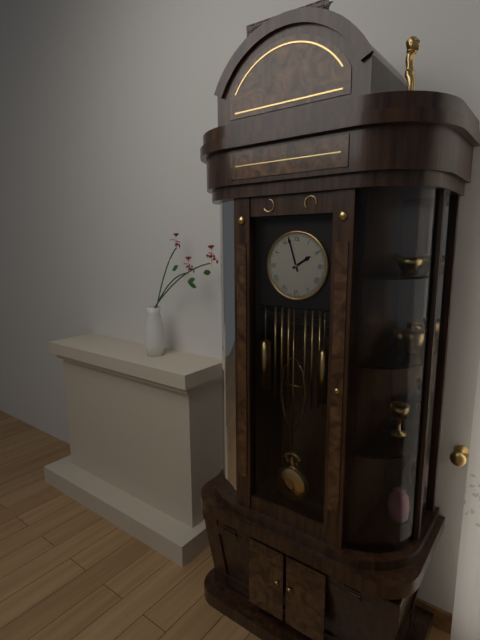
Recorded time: 1:57
